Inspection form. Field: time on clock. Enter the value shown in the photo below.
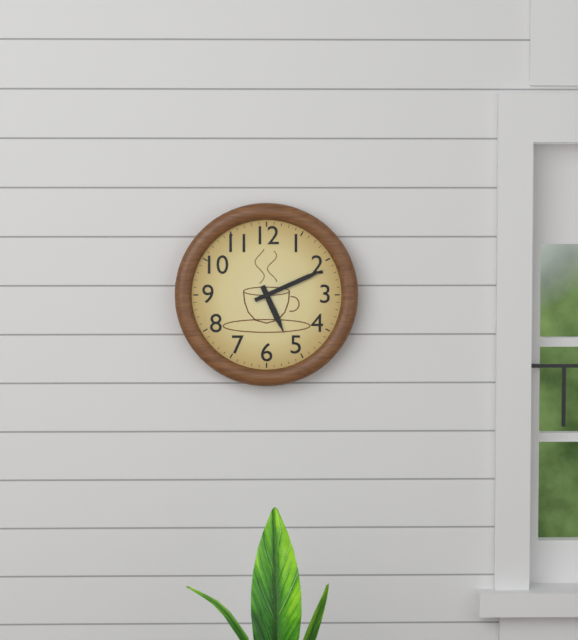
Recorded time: 5:11
